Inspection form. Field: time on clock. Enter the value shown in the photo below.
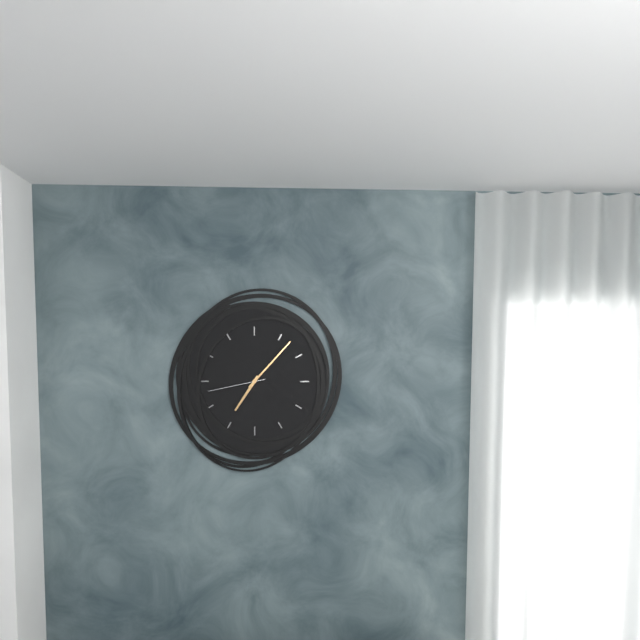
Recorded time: 7:07:43
